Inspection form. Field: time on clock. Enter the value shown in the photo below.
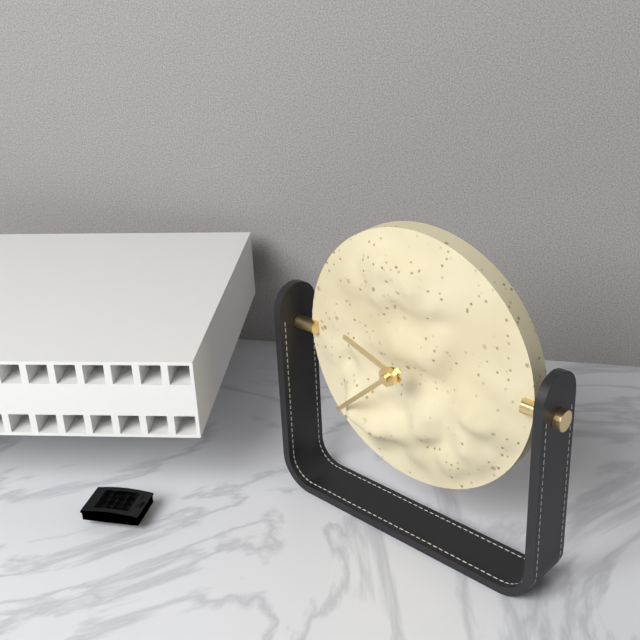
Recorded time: 9:38
